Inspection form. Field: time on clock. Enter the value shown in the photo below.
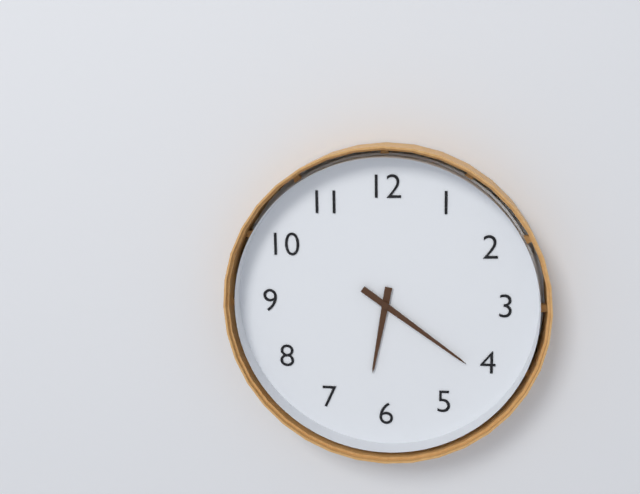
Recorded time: 6:21
